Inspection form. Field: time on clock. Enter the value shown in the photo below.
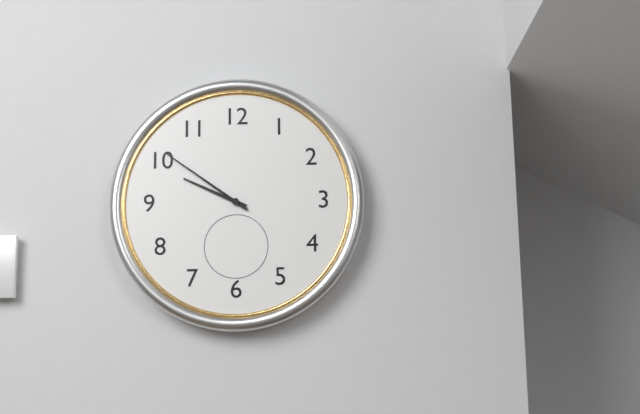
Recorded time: 9:51
